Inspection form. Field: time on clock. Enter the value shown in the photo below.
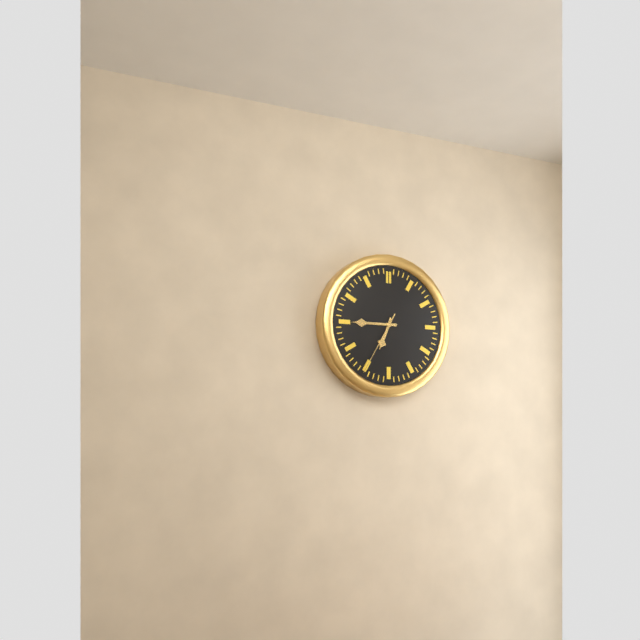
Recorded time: 6:45:35
